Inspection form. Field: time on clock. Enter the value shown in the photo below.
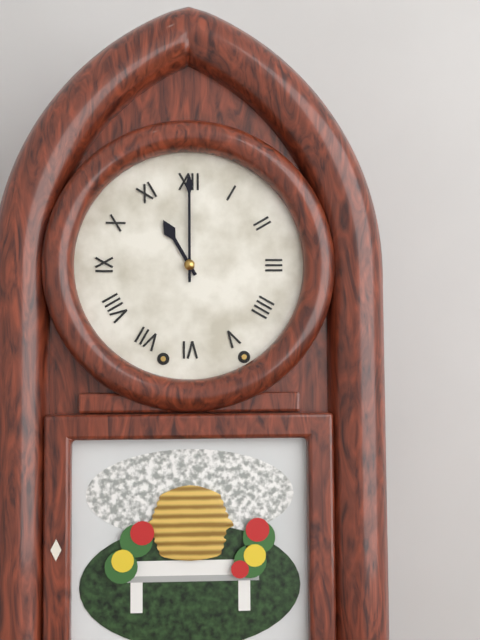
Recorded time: 11:00
